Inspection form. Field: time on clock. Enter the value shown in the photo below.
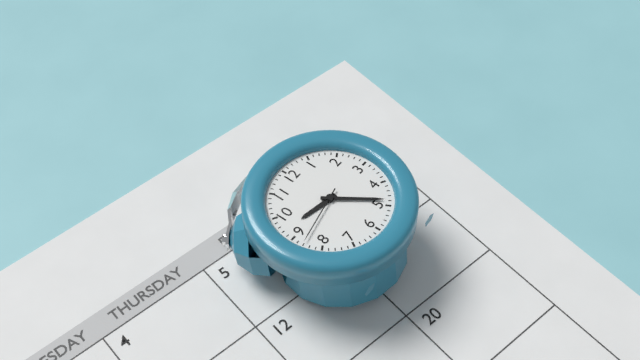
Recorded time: 9:24:43
